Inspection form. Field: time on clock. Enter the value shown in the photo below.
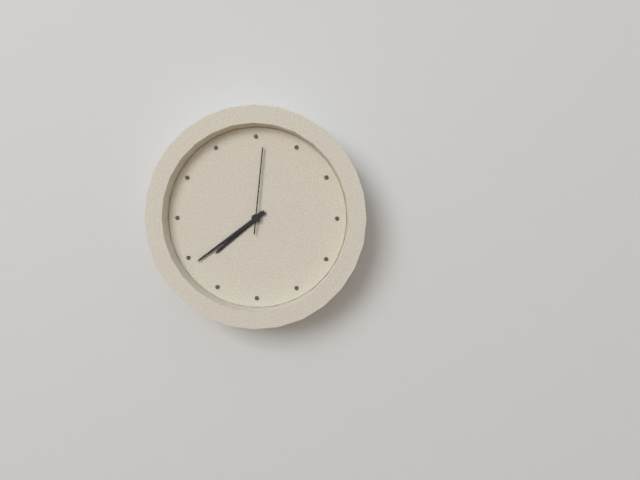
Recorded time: 7:39:01
